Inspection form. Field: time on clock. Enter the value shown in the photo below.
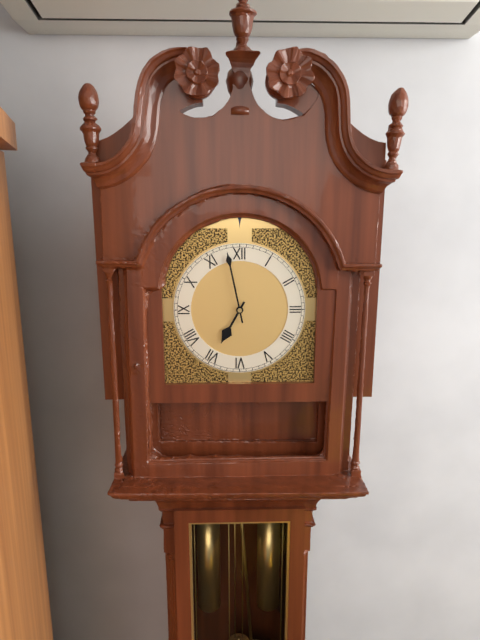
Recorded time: 6:58
